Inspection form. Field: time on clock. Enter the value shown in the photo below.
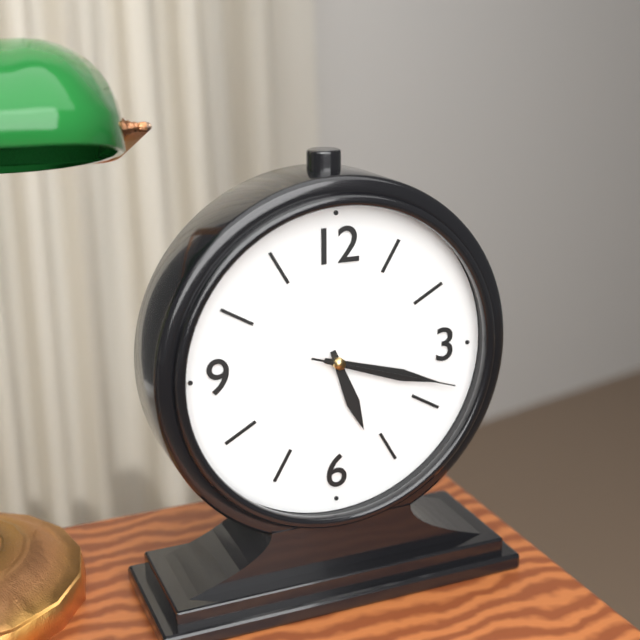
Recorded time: 5:18:18
